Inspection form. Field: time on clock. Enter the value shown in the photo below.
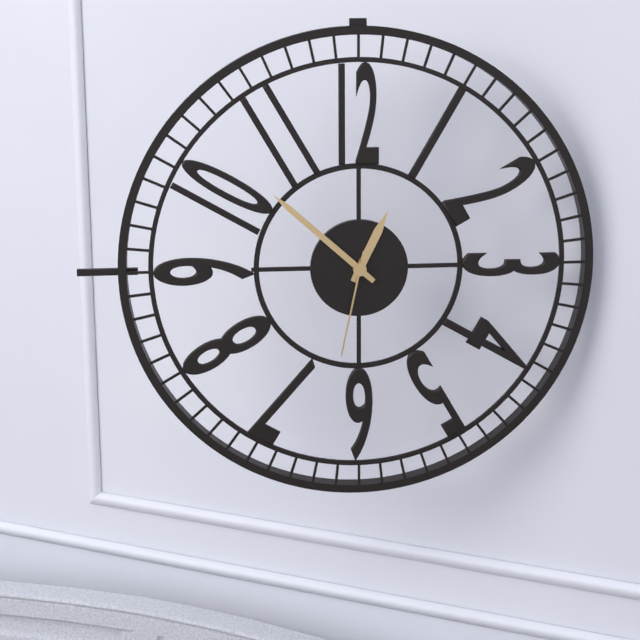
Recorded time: 12:52:32
